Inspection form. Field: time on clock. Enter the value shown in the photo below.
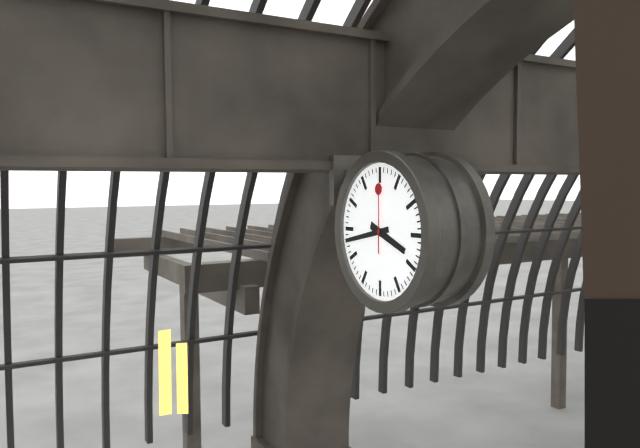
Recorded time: 3:43:00
